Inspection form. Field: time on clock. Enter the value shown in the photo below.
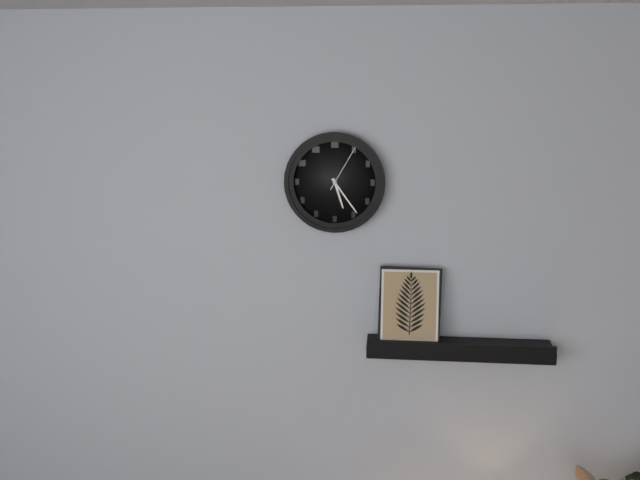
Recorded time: 5:24:05
